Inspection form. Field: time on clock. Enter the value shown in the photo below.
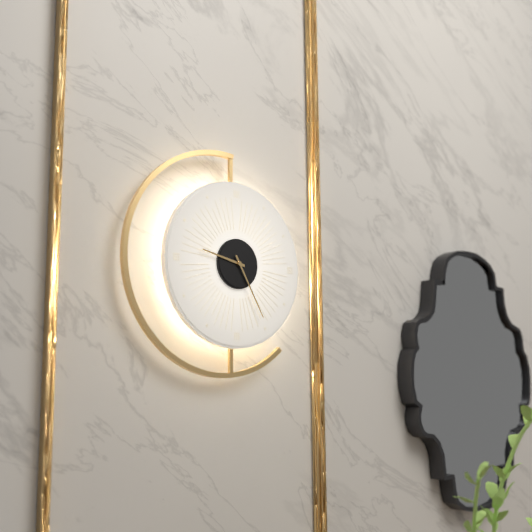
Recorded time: 9:25
